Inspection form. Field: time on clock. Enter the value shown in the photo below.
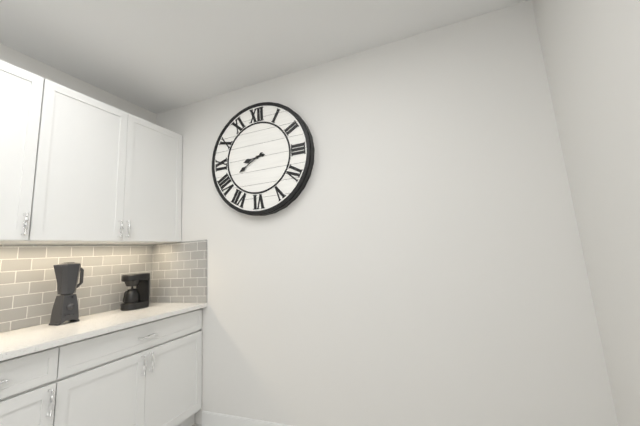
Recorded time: 8:40
